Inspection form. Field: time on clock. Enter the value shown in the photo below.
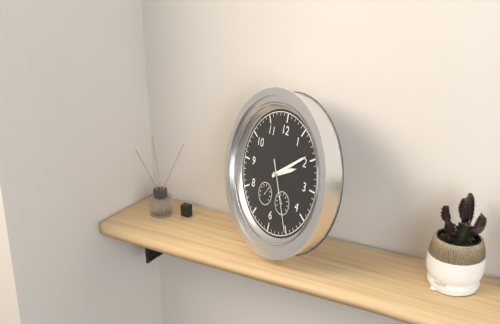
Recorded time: 2:09:25
